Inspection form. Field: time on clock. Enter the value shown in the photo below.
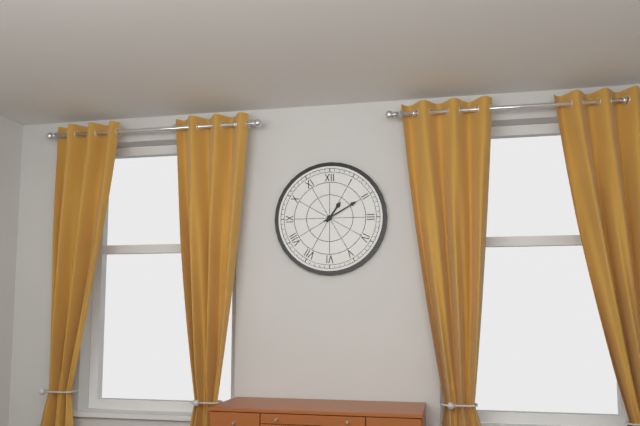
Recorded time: 1:10
